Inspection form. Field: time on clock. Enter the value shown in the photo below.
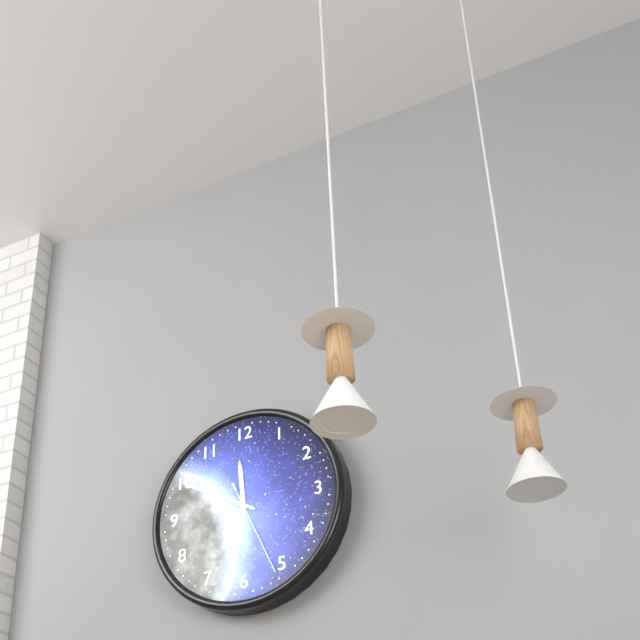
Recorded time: 11:50:26
